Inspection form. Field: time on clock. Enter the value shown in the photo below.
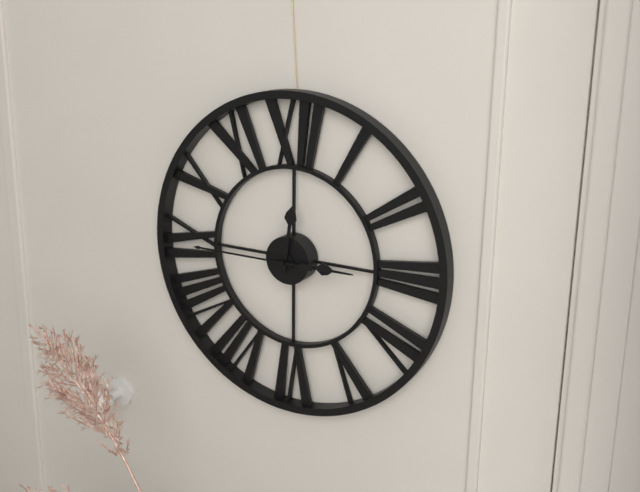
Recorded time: 12:15:45
